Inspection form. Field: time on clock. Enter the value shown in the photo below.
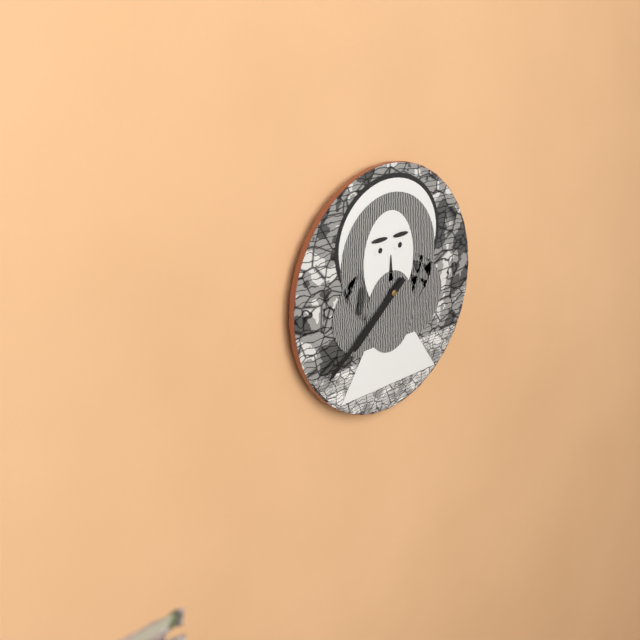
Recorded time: 7:39
